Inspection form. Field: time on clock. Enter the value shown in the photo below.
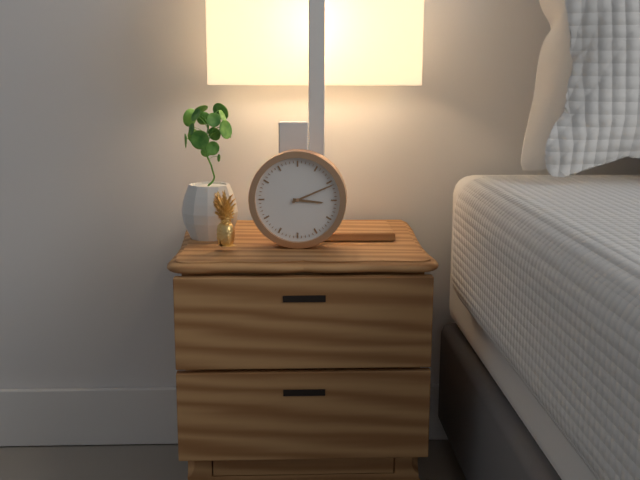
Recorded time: 3:11
